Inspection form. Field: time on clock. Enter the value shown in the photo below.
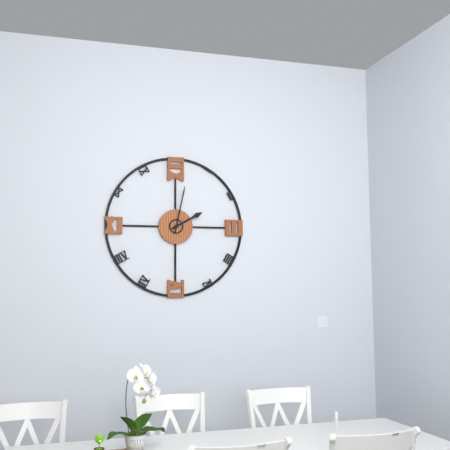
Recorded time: 2:02
